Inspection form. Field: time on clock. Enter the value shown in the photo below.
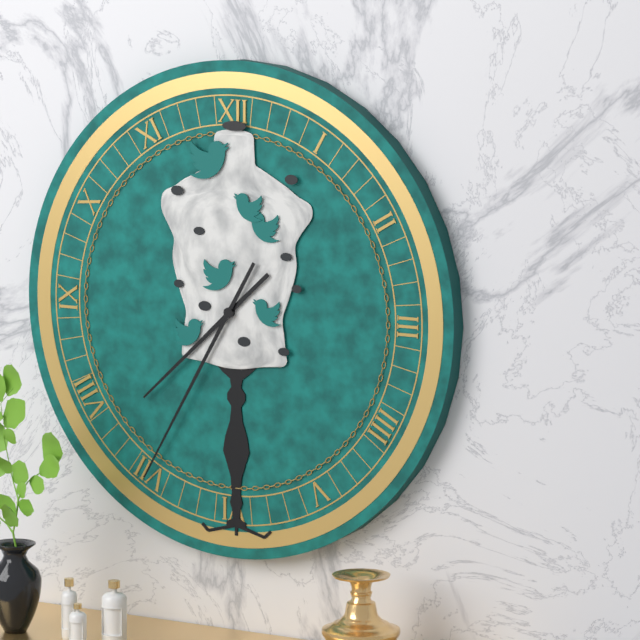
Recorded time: 7:35
